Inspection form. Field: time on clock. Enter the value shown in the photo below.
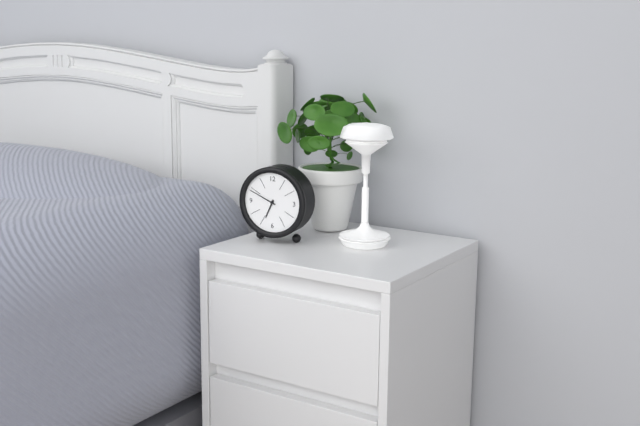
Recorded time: 6:49
